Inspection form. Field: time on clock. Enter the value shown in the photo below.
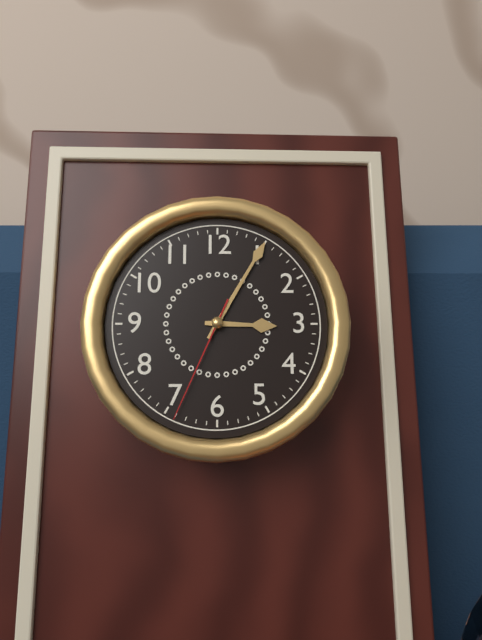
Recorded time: 3:05:34
